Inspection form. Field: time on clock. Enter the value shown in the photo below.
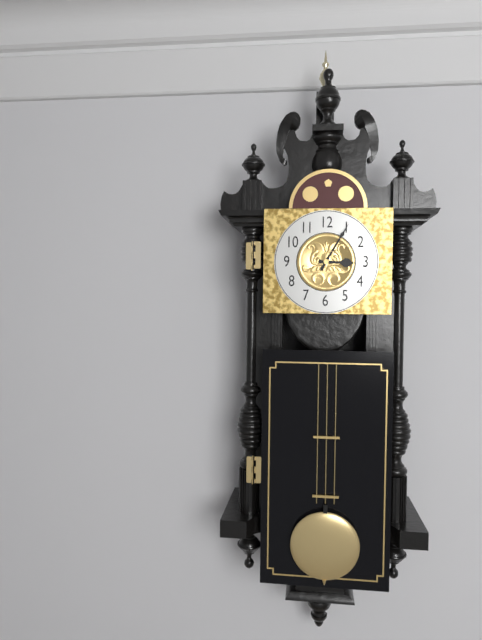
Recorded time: 3:05
